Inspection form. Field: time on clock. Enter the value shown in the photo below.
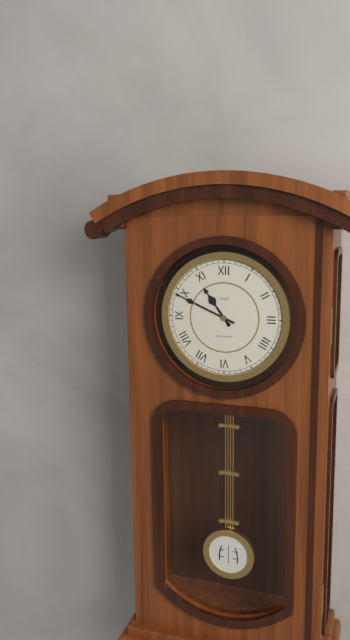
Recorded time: 10:49
